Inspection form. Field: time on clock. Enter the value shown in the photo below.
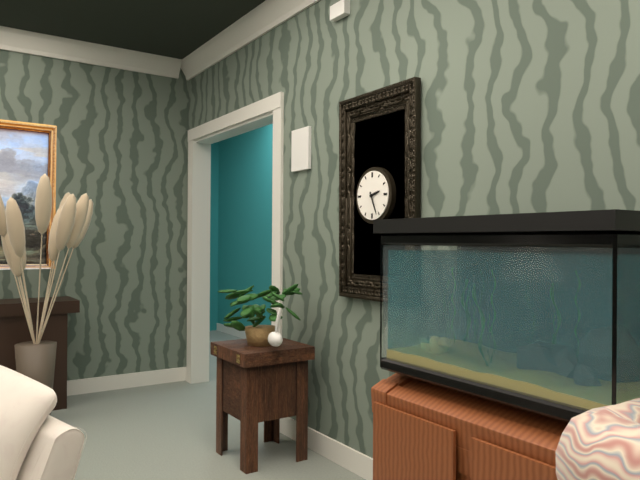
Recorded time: 2:26
